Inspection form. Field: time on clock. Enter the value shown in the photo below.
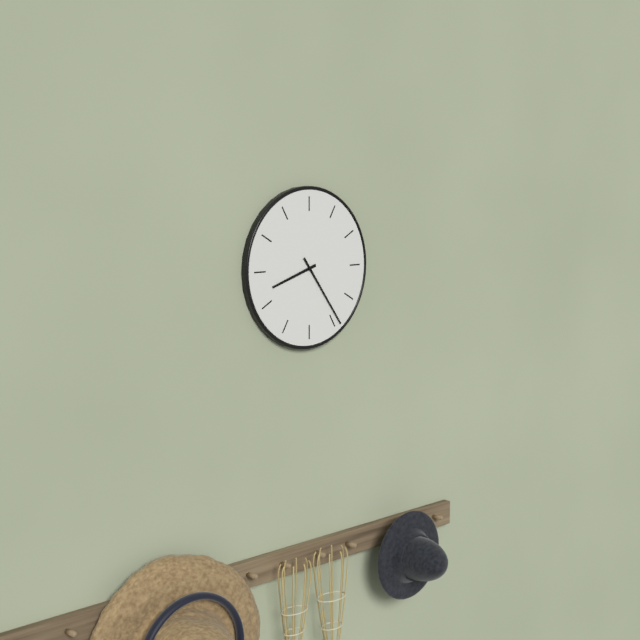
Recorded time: 8:24
